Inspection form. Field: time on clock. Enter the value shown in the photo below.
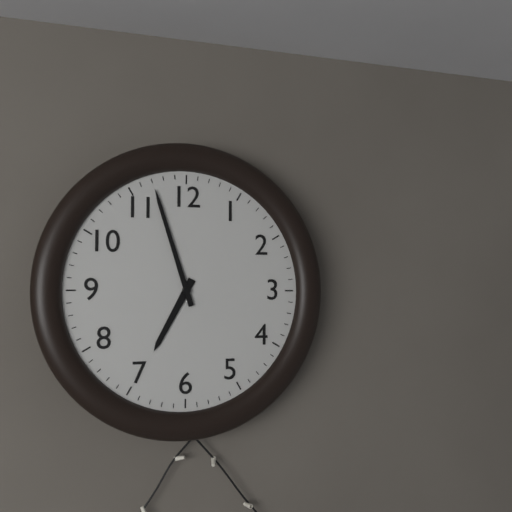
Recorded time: 6:57
